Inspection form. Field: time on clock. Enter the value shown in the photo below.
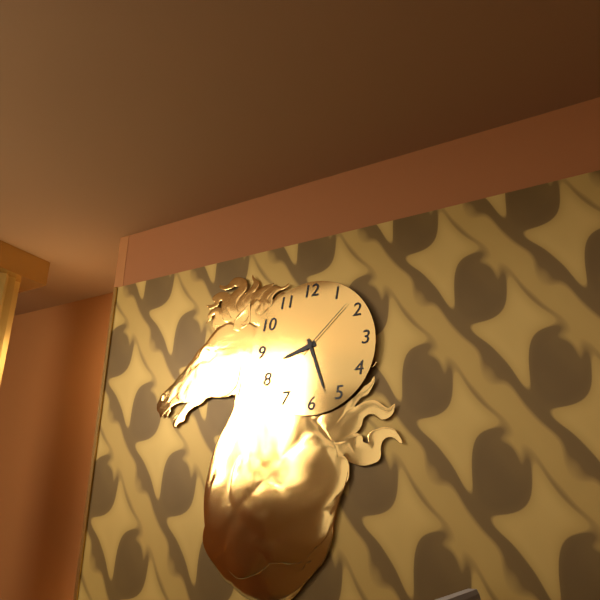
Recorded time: 8:27:08
